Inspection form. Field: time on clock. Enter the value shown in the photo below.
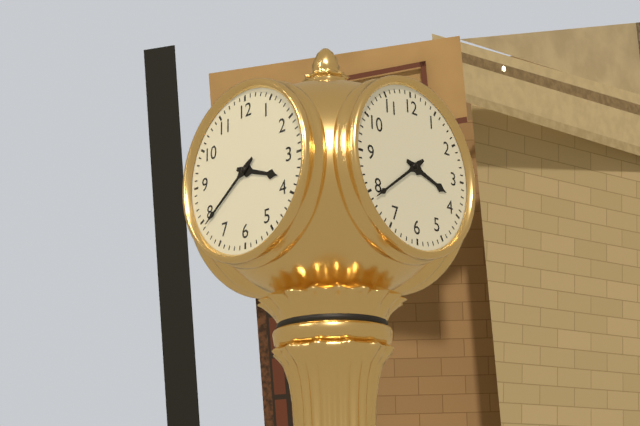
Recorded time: 3:39
